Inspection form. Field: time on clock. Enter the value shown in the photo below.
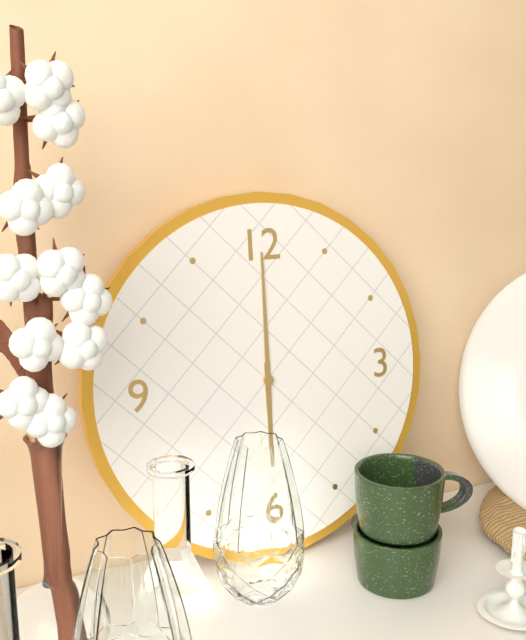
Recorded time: 6:00
